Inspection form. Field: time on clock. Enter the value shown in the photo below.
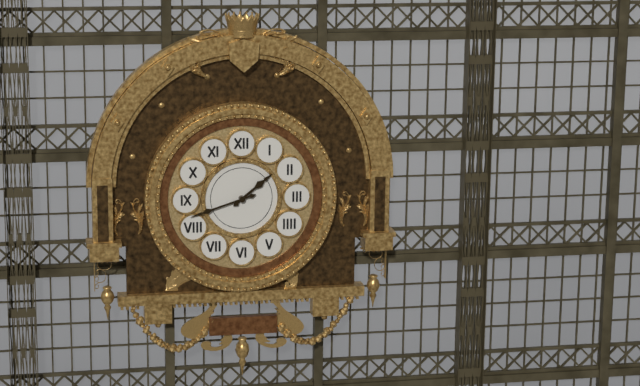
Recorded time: 1:42
